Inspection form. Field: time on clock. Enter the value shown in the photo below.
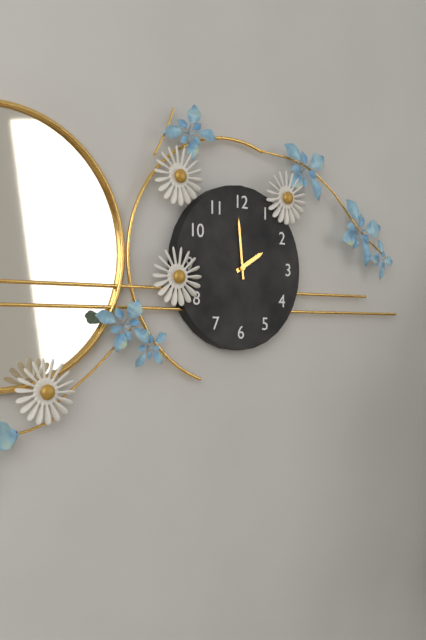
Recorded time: 1:59
